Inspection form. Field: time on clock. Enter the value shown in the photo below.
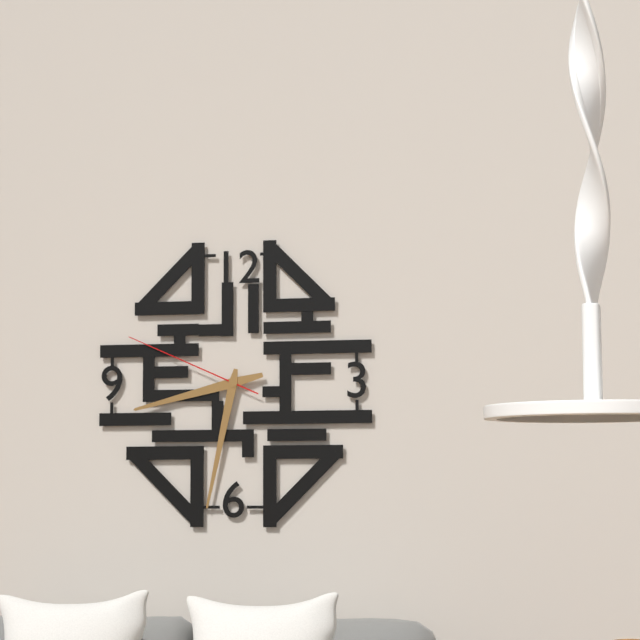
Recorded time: 8:32:49
